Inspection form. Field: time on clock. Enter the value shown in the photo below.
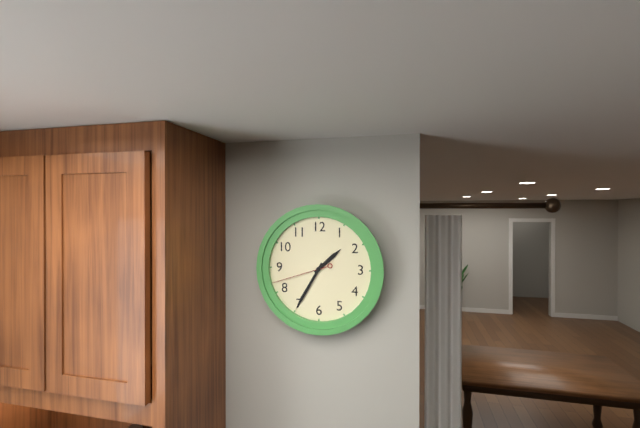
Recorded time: 1:35:42
